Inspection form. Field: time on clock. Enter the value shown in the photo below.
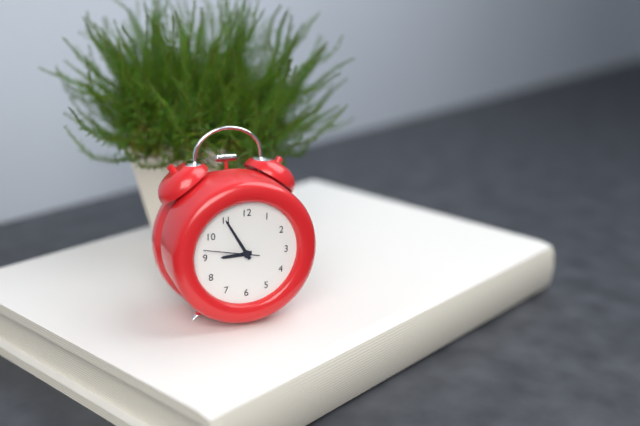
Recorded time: 8:55:47
